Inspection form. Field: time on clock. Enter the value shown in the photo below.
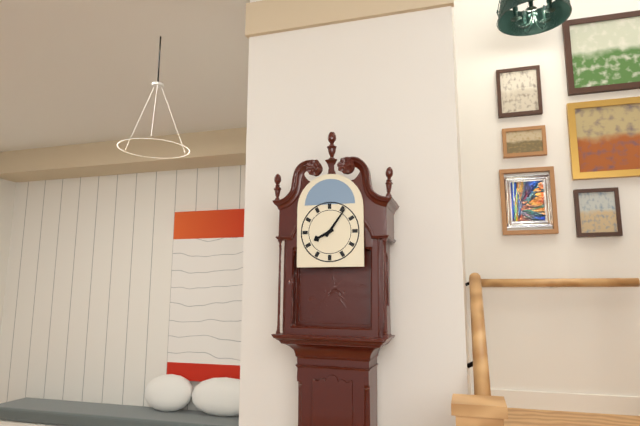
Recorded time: 8:06
